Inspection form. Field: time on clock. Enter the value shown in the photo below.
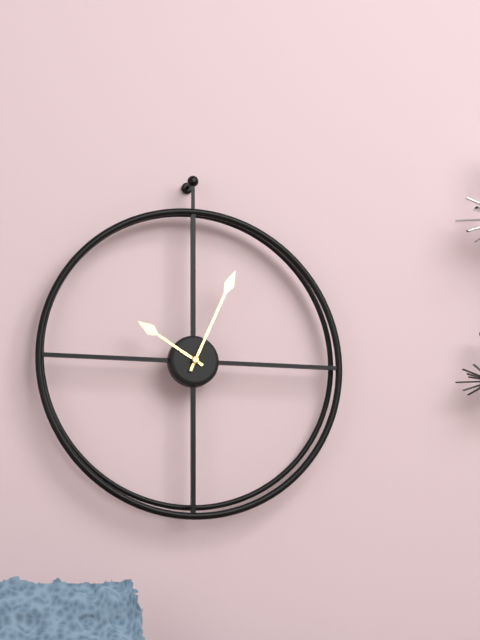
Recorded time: 10:04
